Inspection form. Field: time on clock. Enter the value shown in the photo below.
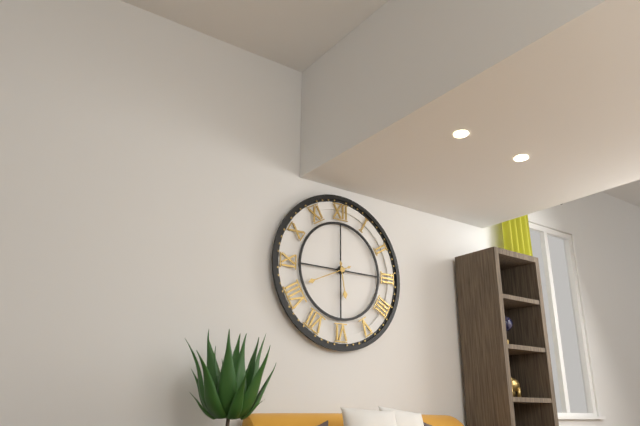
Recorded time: 5:41
